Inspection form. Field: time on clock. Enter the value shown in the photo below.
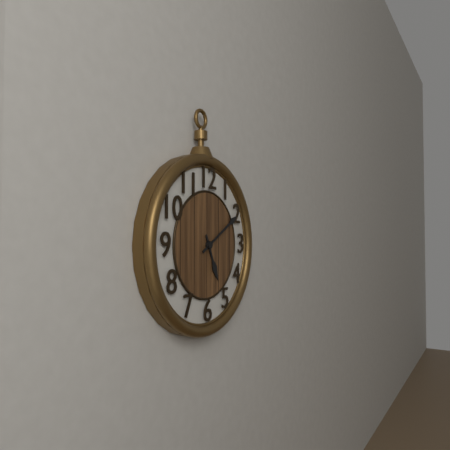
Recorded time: 5:10
